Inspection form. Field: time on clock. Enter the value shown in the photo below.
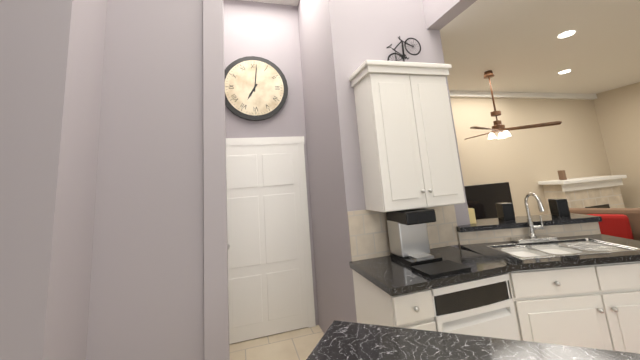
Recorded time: 7:01
